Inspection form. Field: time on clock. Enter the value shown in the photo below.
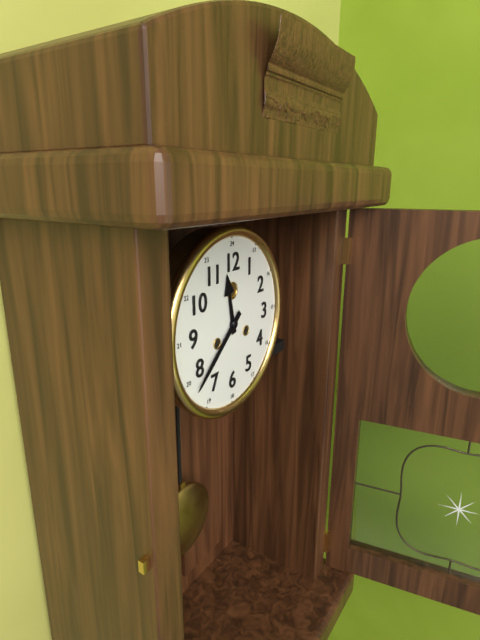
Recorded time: 11:38
